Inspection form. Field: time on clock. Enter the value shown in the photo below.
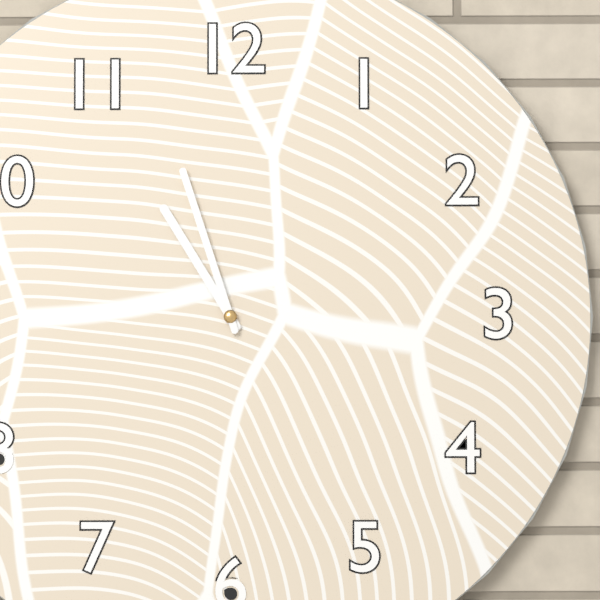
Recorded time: 10:57
